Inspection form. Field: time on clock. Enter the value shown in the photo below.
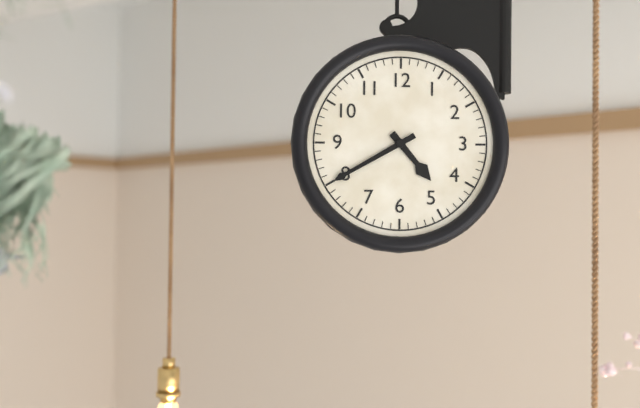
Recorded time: 4:40
